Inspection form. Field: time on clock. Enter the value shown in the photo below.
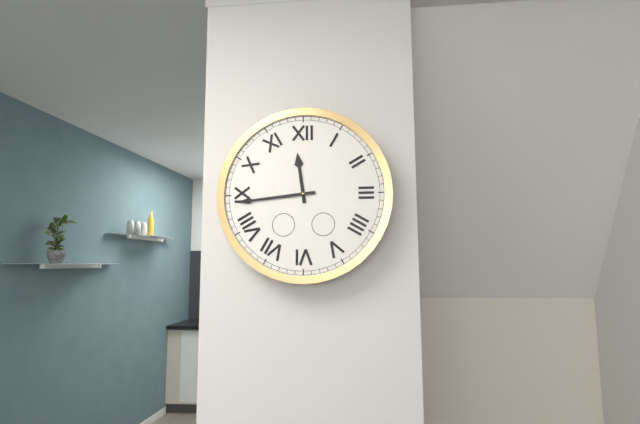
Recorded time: 11:44
